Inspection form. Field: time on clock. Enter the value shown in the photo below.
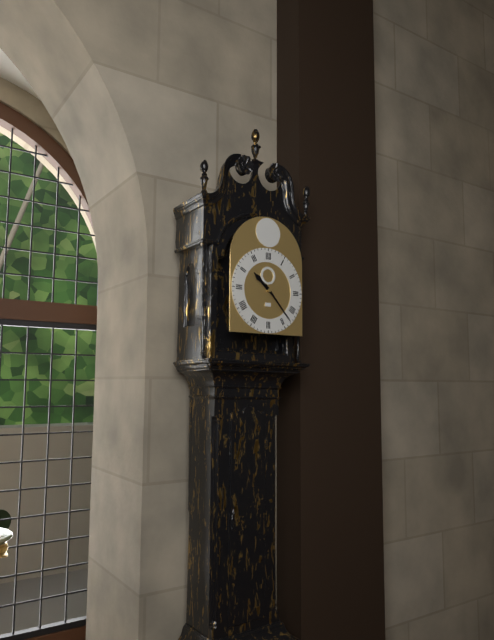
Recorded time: 10:23
